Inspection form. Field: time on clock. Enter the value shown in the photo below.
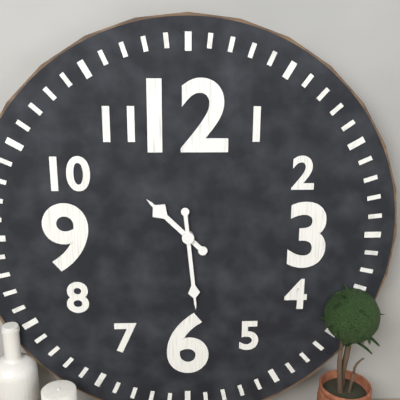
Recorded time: 10:29
